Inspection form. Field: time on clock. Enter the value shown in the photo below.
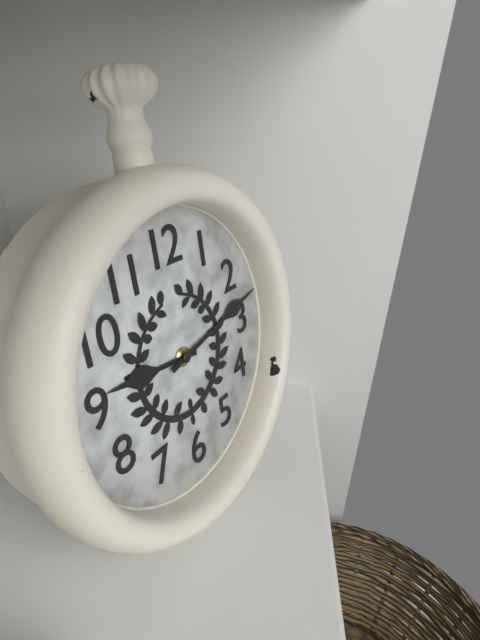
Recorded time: 9:13
